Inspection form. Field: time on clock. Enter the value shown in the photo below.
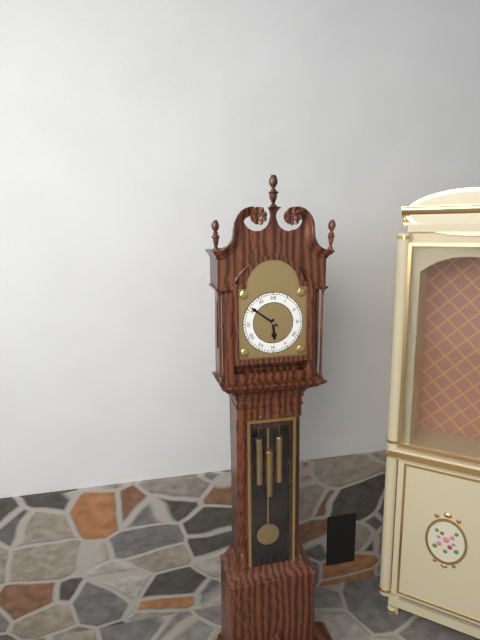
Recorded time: 5:51
